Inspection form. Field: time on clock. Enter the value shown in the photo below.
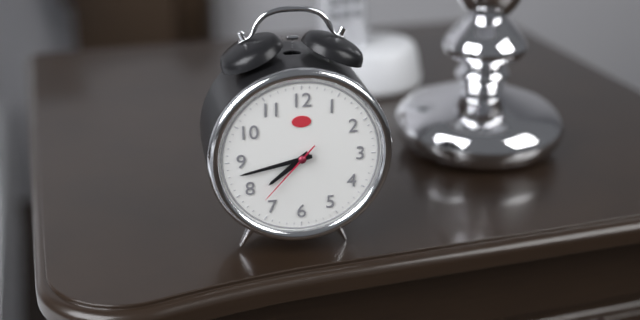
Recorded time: 7:43:37
